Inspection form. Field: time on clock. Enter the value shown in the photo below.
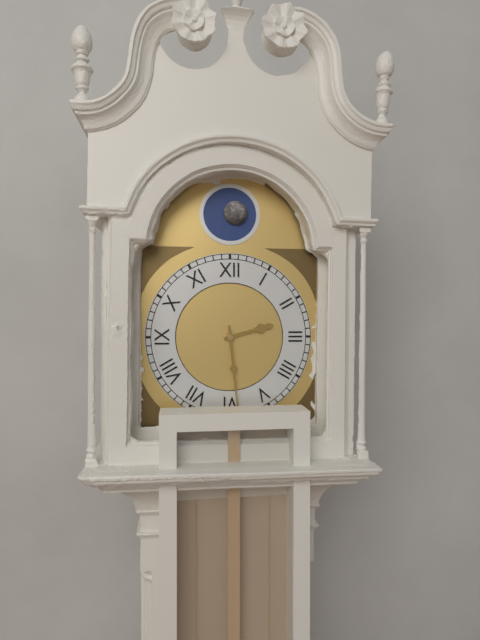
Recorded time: 2:29
